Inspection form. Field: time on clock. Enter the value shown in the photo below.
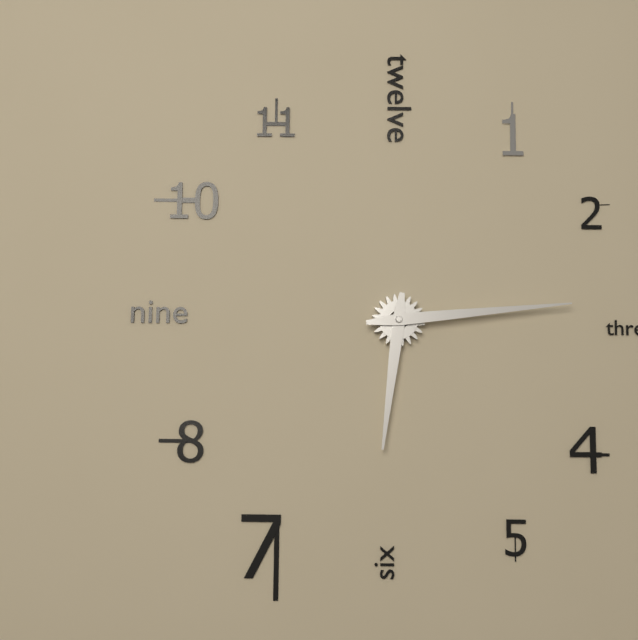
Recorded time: 6:14
